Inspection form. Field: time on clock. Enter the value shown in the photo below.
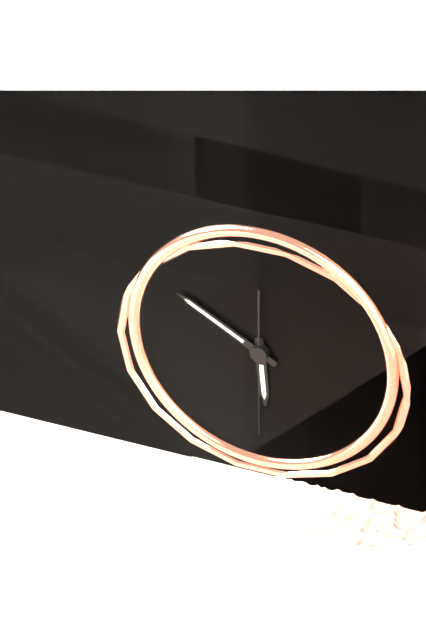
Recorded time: 5:50:30
